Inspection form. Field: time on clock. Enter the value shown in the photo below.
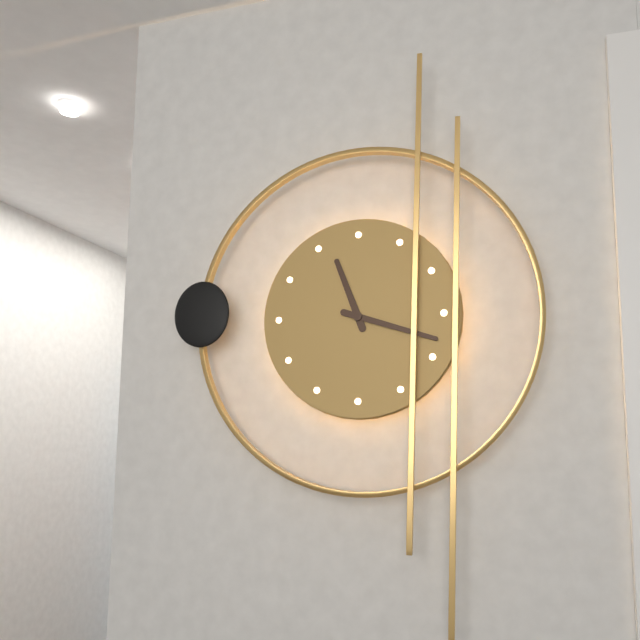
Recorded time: 11:18
